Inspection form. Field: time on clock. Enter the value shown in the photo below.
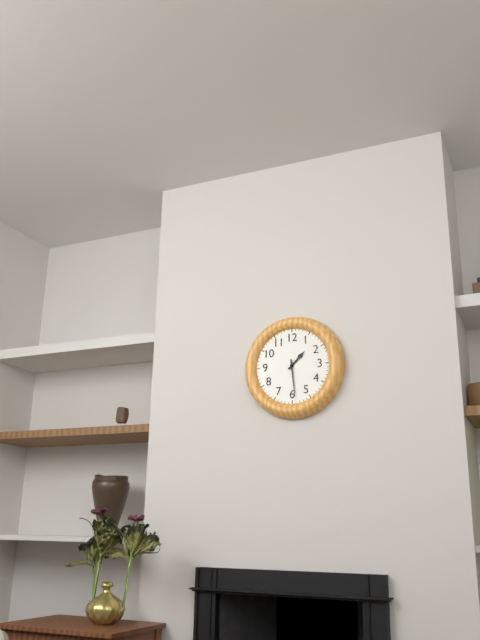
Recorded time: 1:29
